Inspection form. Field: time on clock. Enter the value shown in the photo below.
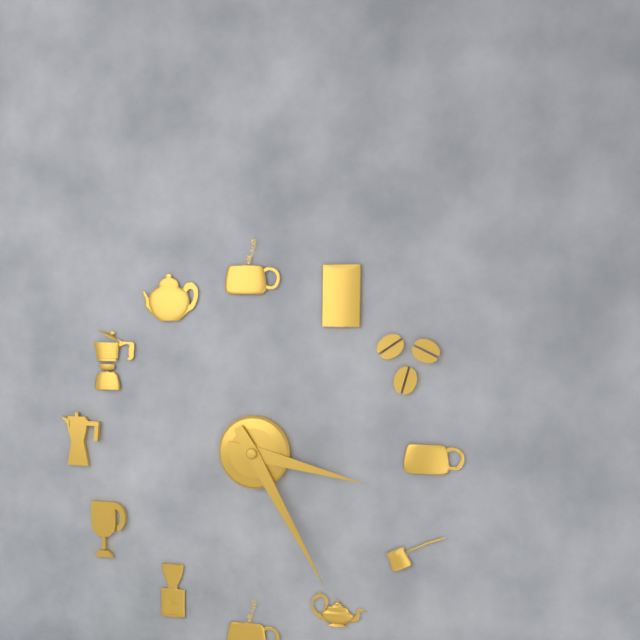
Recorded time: 3:25
